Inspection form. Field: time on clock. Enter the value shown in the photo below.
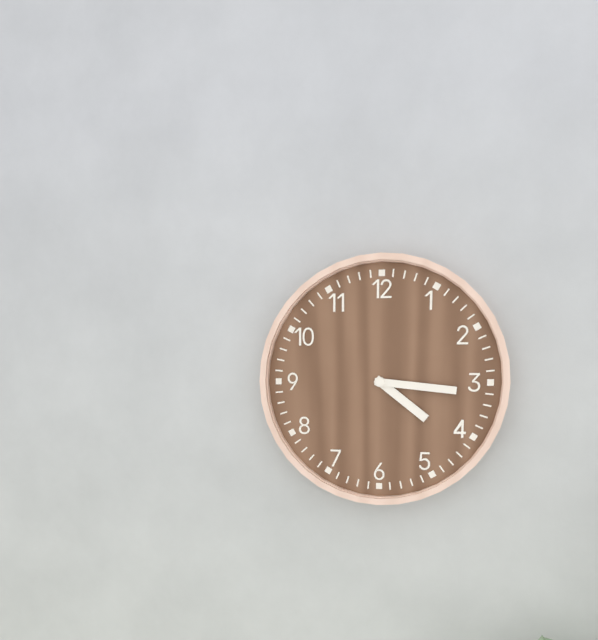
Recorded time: 4:16
